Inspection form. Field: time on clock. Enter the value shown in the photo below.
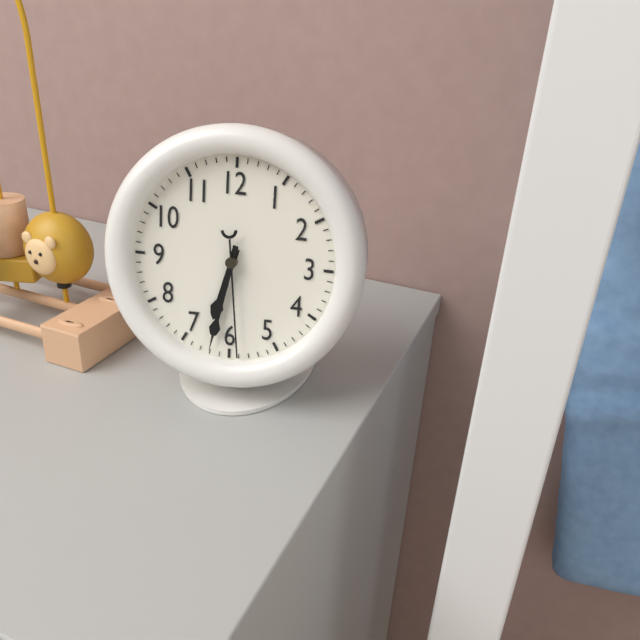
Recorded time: 6:32:29
